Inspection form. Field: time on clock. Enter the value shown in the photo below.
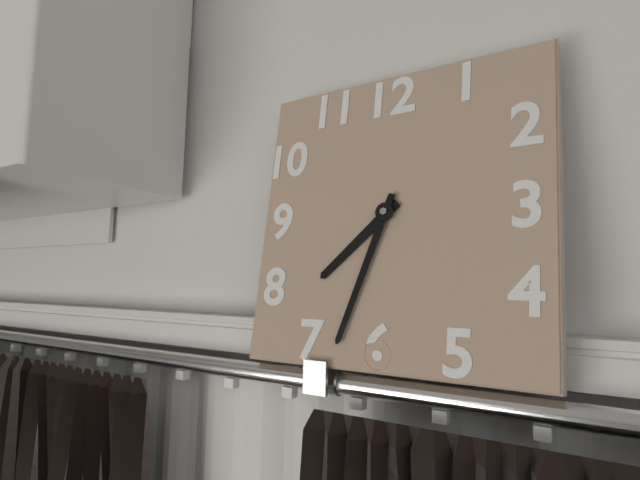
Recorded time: 7:33
